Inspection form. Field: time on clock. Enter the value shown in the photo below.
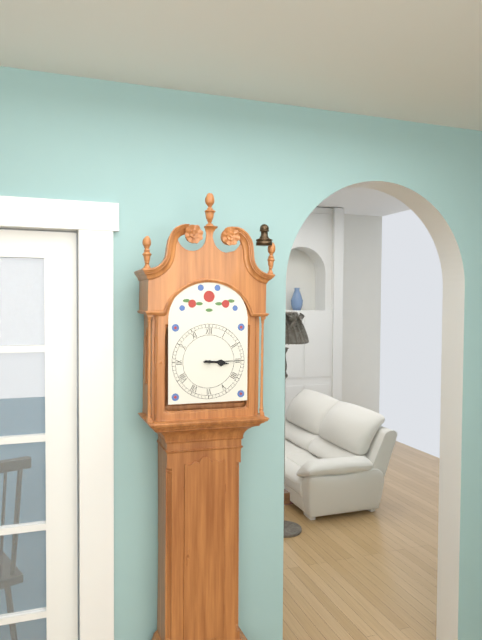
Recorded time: 3:15
